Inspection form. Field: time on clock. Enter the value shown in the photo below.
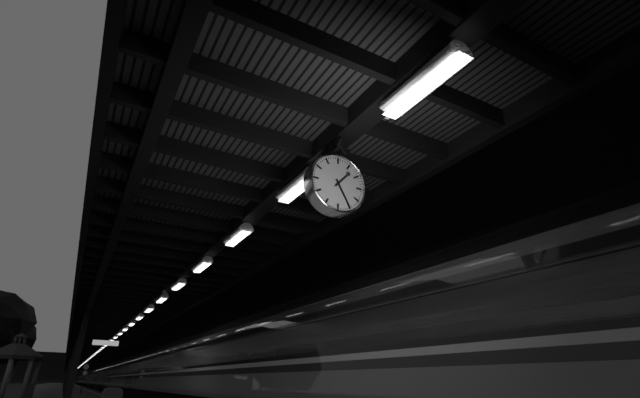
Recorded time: 1:25
